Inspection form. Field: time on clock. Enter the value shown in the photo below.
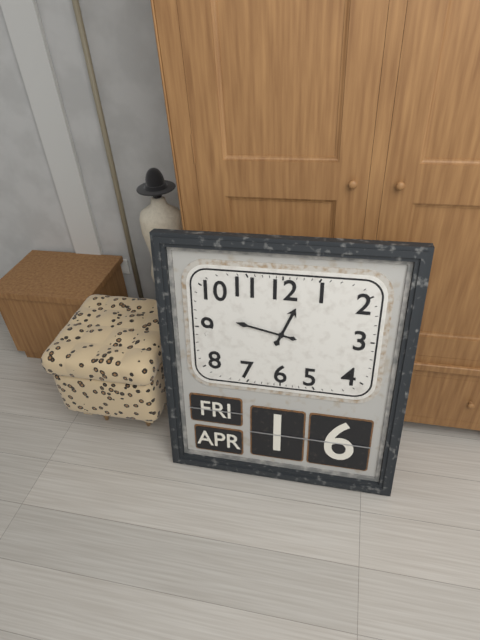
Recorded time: 12:47
